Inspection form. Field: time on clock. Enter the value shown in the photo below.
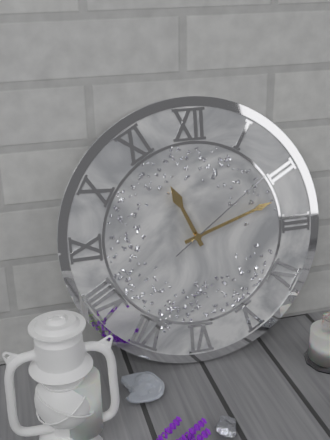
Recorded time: 11:12:09
